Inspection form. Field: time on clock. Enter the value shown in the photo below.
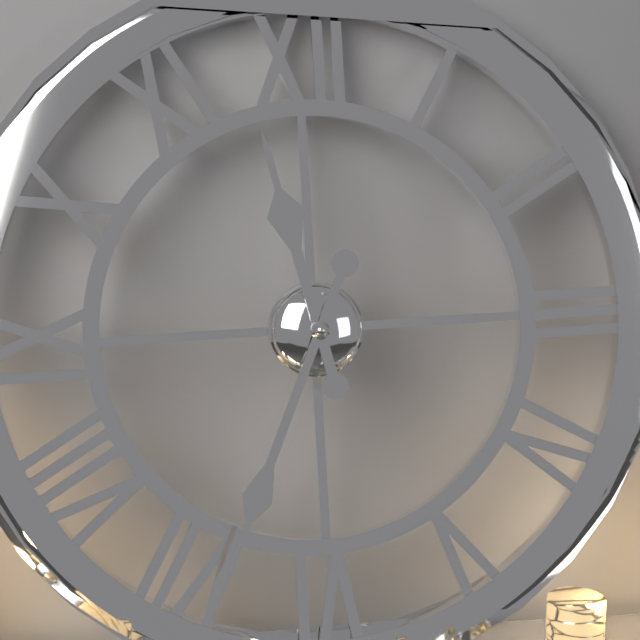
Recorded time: 11:34
